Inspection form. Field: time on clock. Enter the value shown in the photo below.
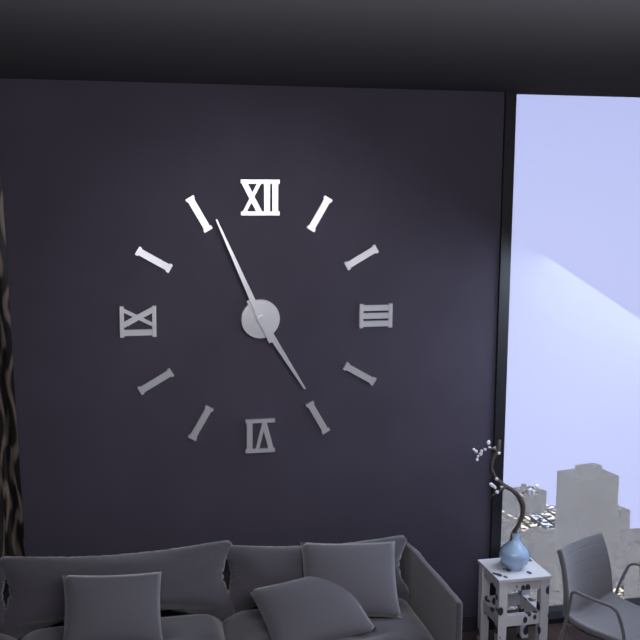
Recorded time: 4:56
